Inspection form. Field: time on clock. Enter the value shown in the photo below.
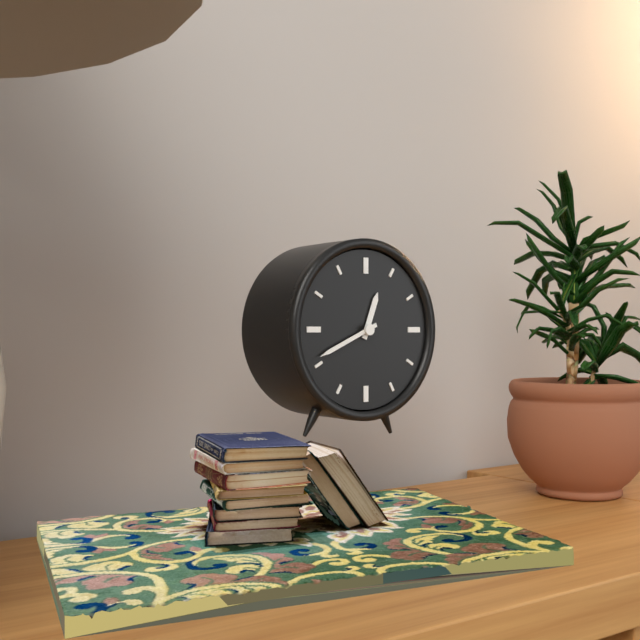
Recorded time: 12:41
